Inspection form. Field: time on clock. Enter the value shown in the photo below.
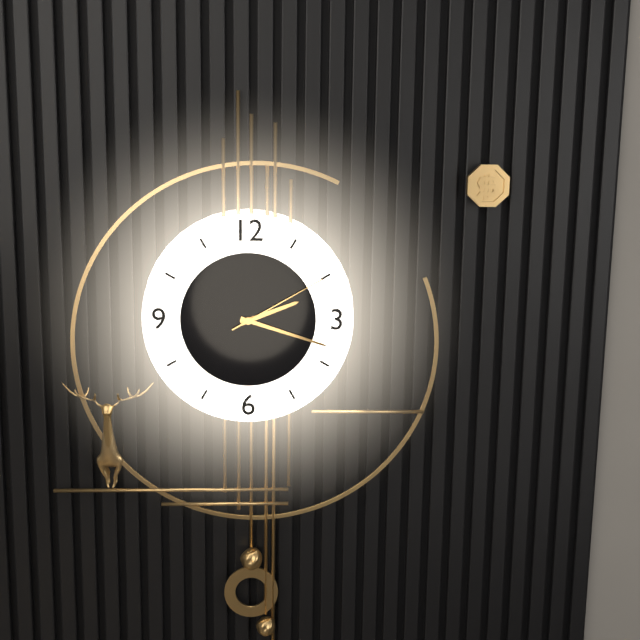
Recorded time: 2:18:10
